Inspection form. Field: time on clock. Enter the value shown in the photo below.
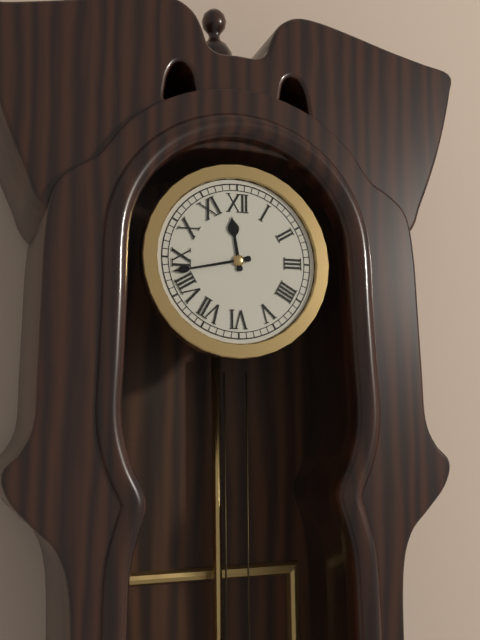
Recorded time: 11:43
